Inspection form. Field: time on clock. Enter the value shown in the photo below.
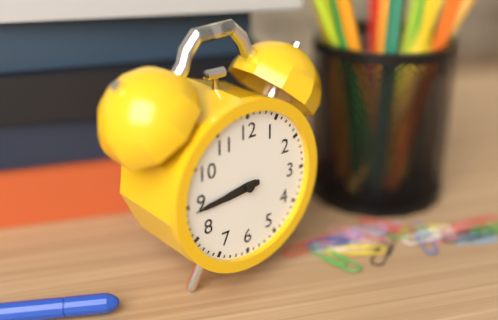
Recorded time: 8:44
